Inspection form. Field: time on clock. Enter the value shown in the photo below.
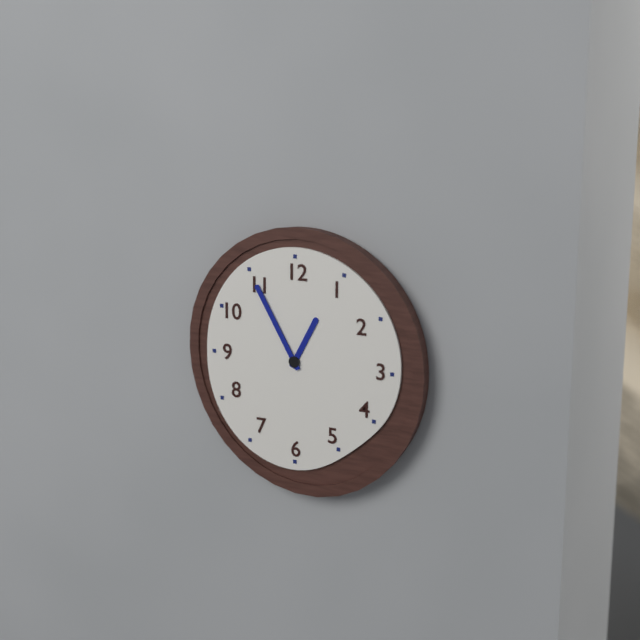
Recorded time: 12:55
